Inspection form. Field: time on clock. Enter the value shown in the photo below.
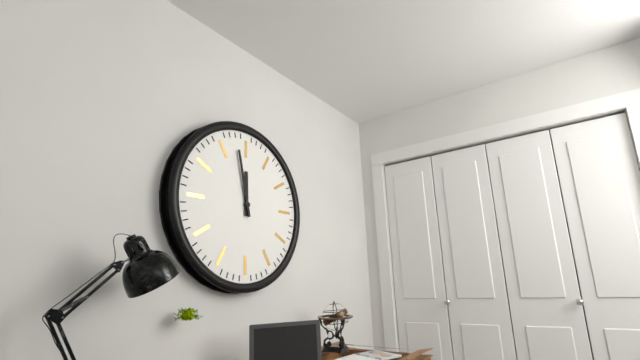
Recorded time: 11:58
